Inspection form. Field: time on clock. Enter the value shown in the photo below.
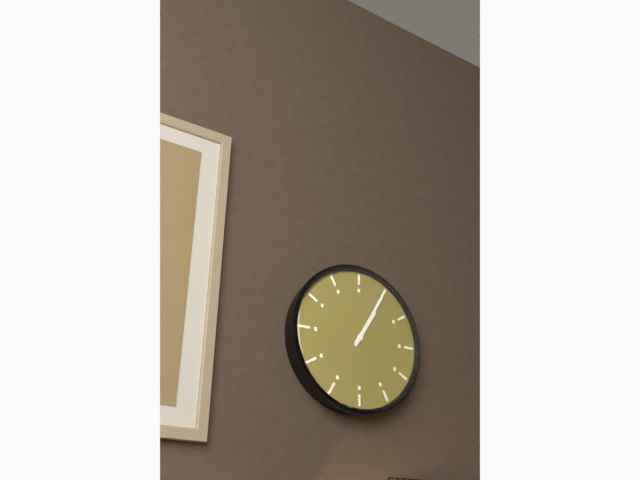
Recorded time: 1:05
